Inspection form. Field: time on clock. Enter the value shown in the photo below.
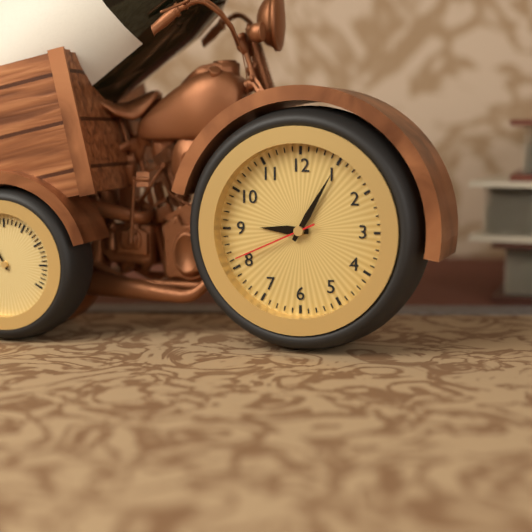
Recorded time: 9:05:41
